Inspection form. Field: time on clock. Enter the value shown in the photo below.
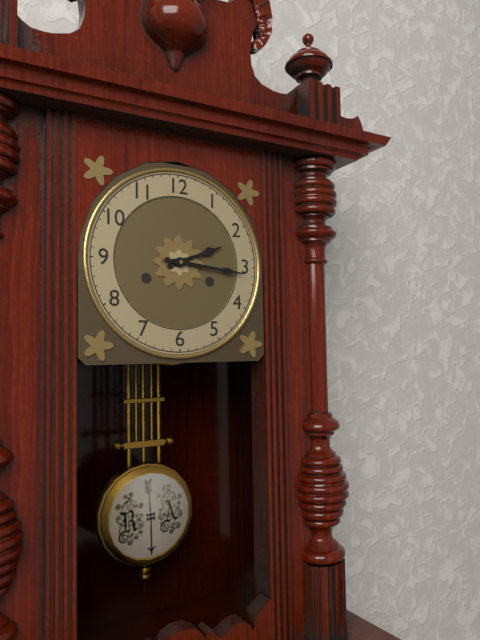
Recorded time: 2:16
